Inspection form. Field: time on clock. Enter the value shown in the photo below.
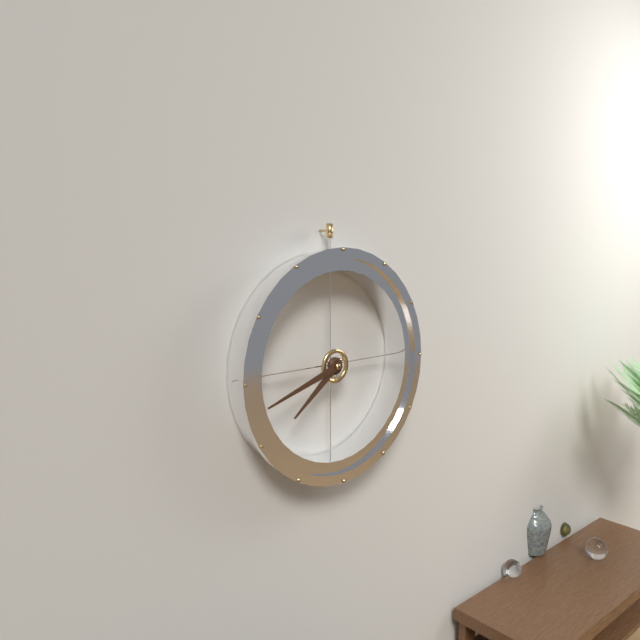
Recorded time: 7:42
